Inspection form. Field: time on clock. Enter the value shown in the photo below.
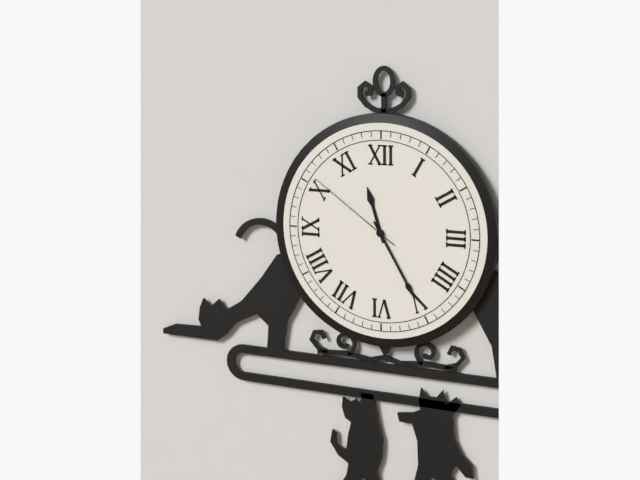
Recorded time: 11:25:51
